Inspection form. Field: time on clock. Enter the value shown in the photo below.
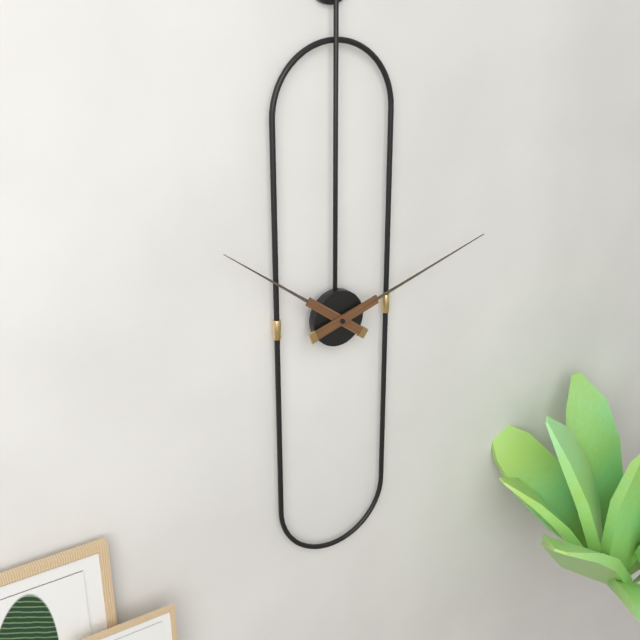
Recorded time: 10:12
